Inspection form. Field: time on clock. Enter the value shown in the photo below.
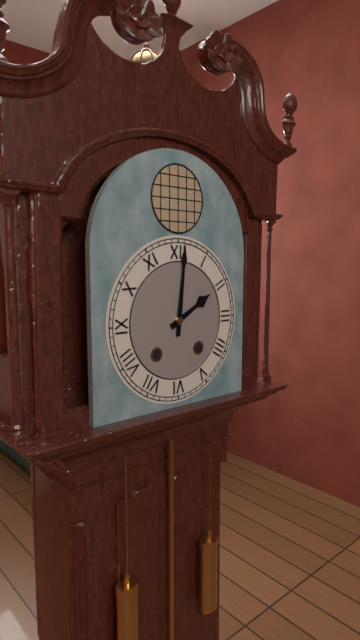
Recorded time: 2:01
